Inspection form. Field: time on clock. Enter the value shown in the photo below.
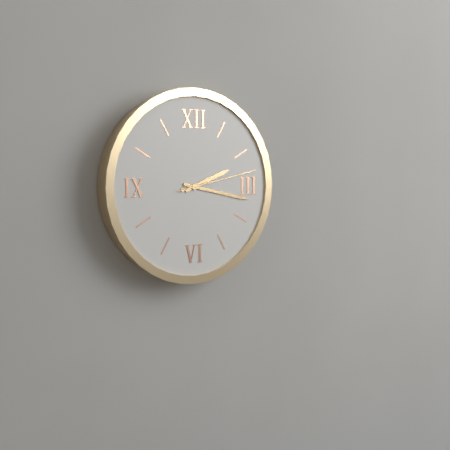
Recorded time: 2:17:13
